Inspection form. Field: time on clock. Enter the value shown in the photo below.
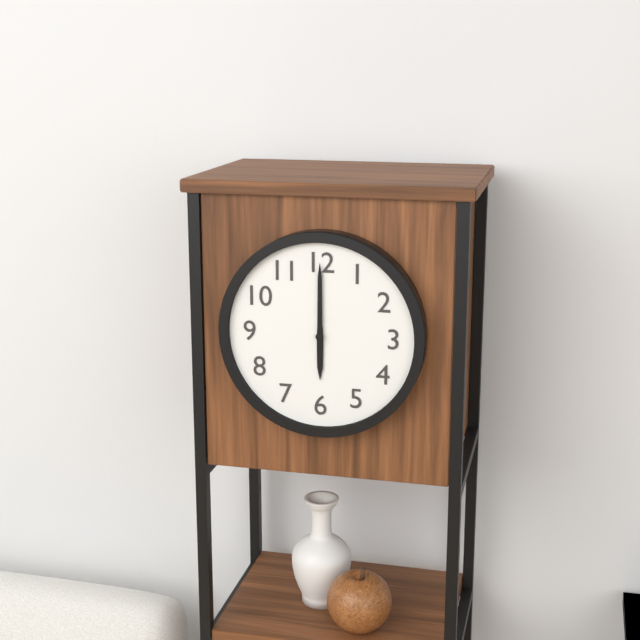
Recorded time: 6:00
